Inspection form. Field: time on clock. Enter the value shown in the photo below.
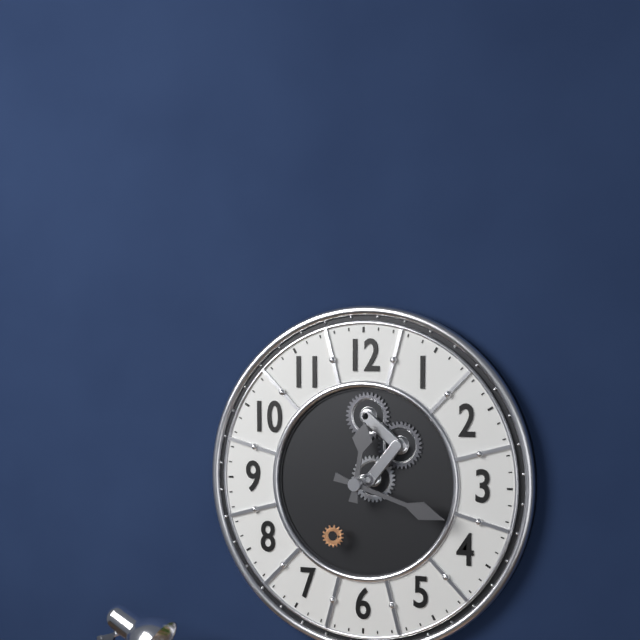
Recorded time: 12:18
